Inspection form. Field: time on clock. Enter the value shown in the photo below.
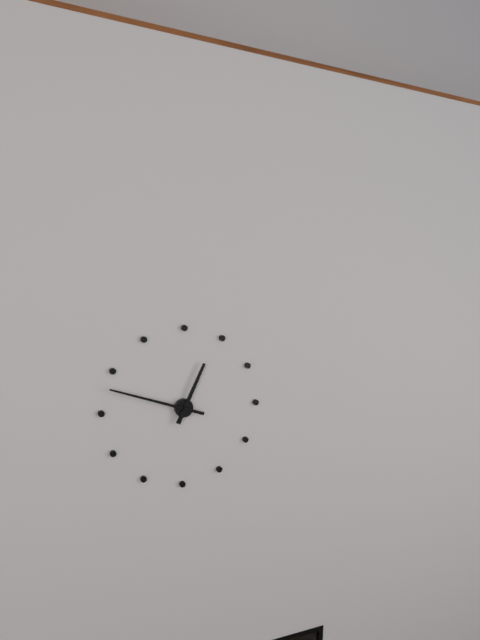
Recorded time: 12:48
